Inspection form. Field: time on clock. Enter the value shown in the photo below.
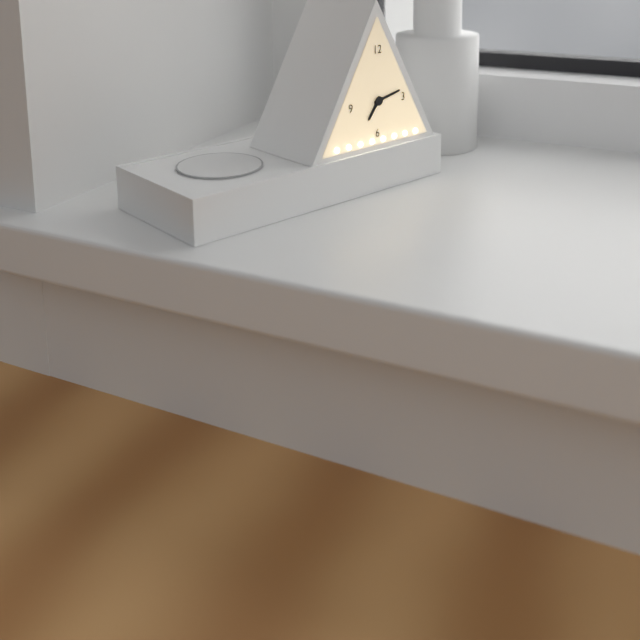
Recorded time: 7:13
